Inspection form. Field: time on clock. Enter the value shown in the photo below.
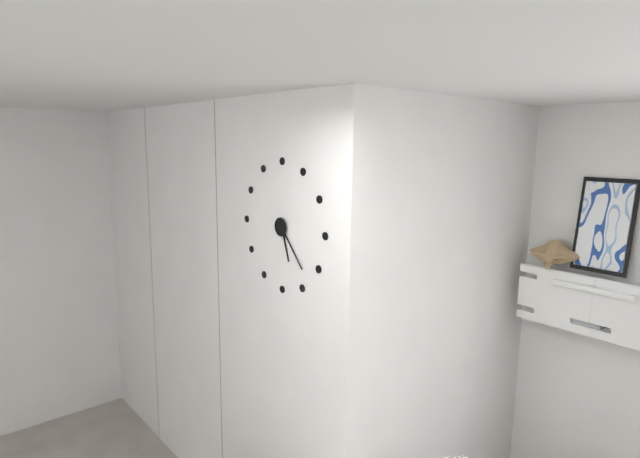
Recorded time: 5:23
